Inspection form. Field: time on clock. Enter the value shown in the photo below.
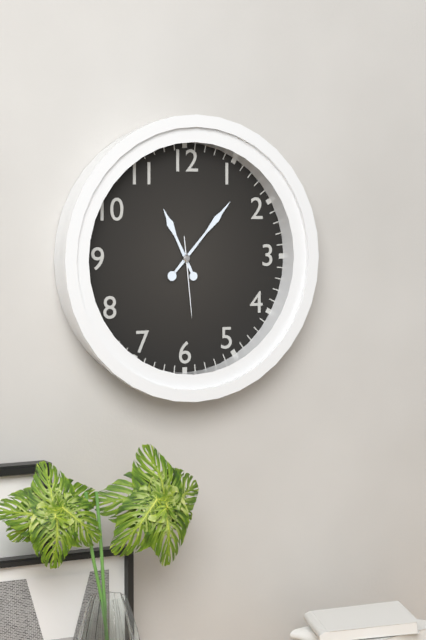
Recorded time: 11:07:29
